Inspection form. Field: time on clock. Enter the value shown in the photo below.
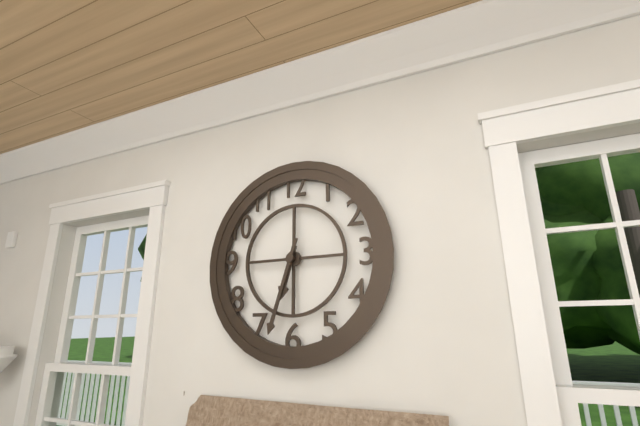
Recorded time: 6:33
